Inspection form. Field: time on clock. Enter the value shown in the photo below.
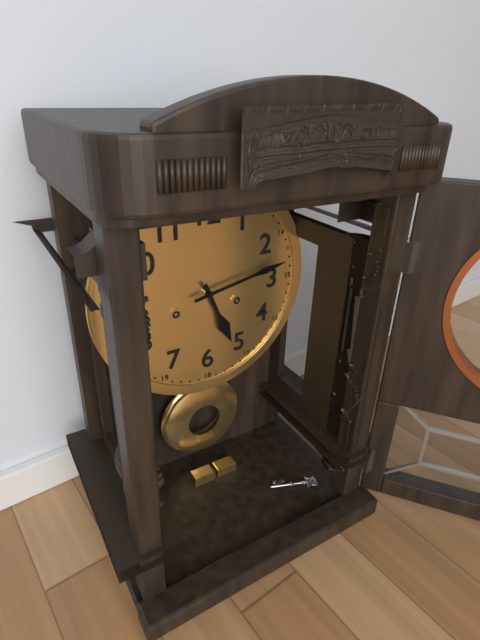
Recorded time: 5:13
